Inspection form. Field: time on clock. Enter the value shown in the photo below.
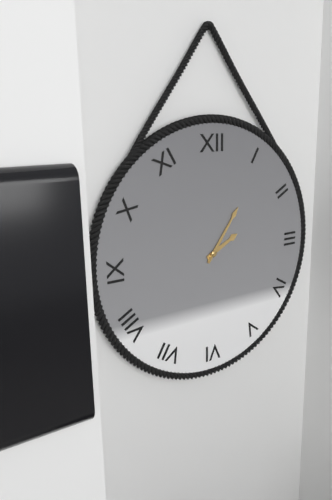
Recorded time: 2:06
